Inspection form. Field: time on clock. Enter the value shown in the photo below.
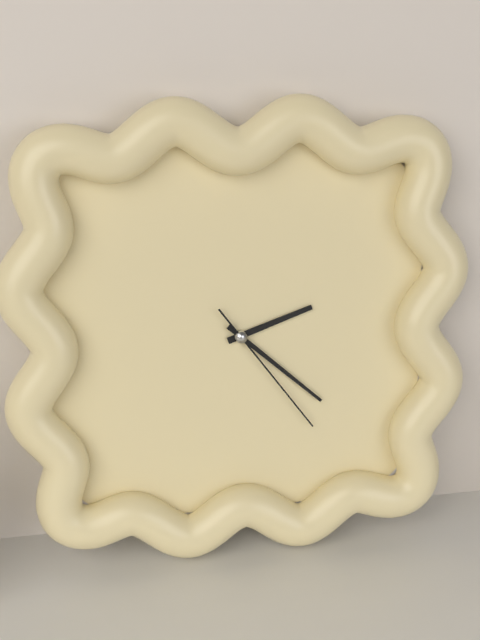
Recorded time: 2:22:24
